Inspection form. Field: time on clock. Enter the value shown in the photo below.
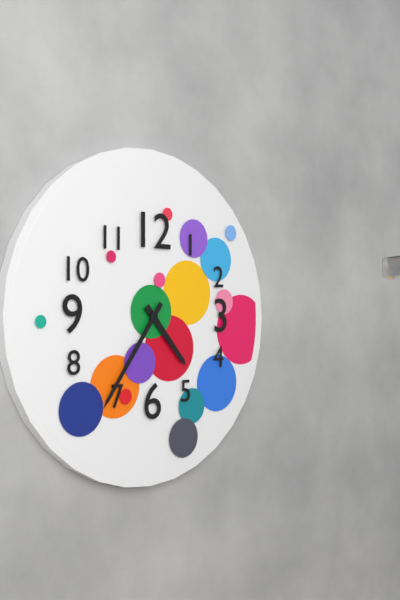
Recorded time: 4:36
